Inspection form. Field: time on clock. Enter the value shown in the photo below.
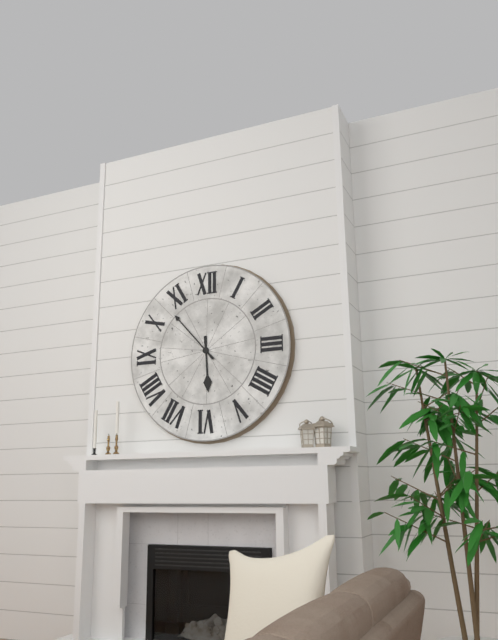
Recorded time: 5:53
